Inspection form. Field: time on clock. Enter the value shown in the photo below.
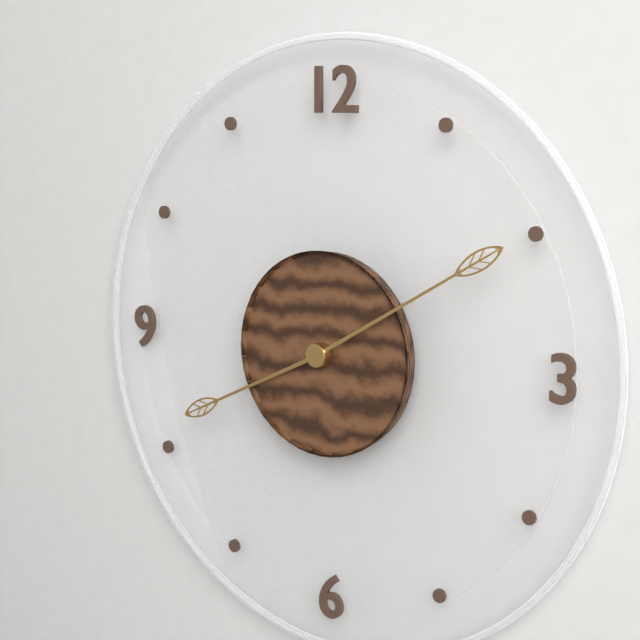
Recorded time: 8:10
